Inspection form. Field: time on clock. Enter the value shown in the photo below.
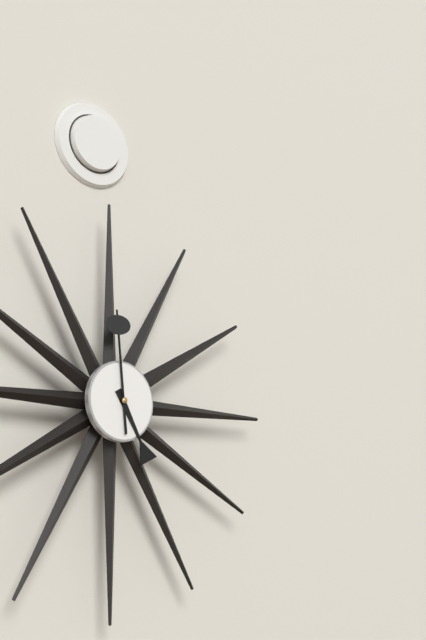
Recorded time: 4:59
